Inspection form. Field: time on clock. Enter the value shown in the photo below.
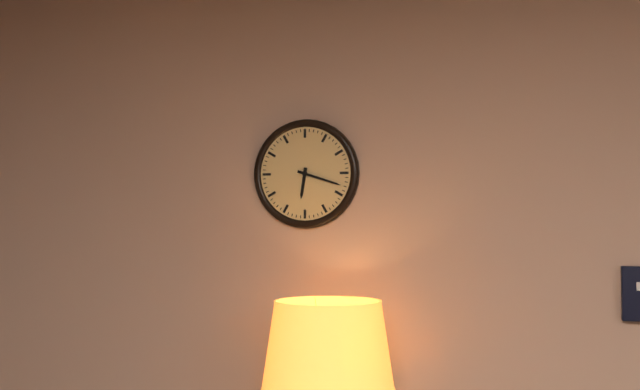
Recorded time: 6:18
